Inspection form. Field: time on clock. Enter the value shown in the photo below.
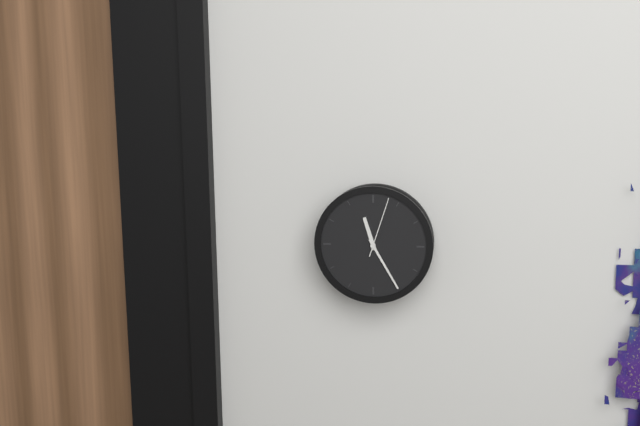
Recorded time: 11:25:03
